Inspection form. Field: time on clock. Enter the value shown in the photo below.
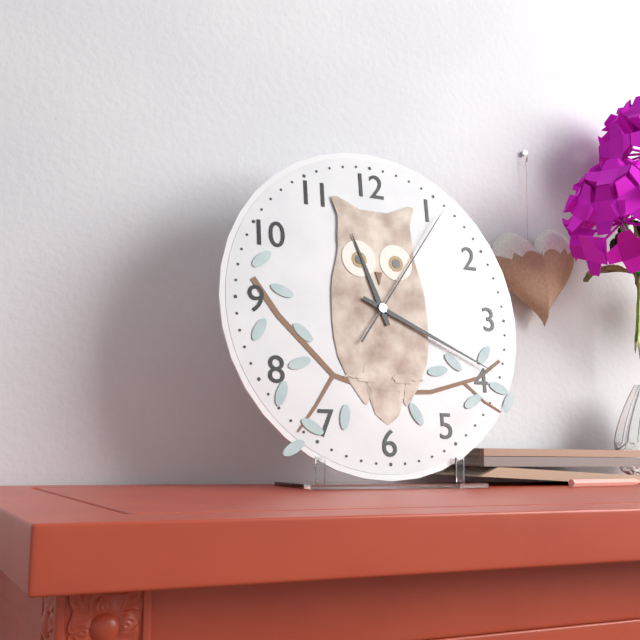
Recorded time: 11:19:06
